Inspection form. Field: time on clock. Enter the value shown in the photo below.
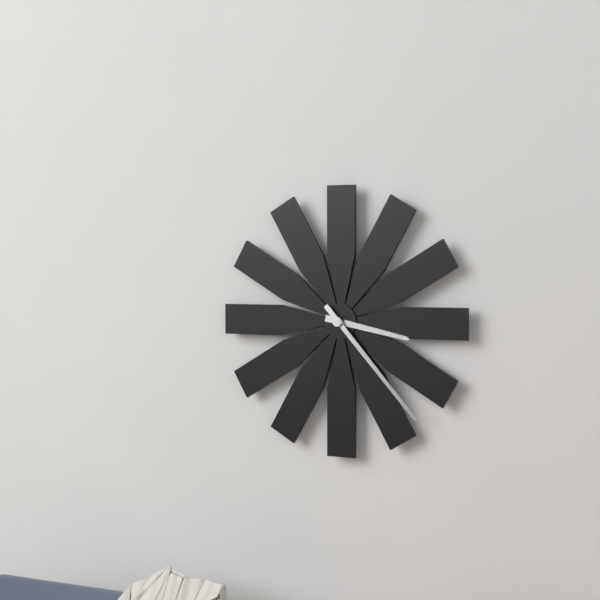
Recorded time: 3:23
